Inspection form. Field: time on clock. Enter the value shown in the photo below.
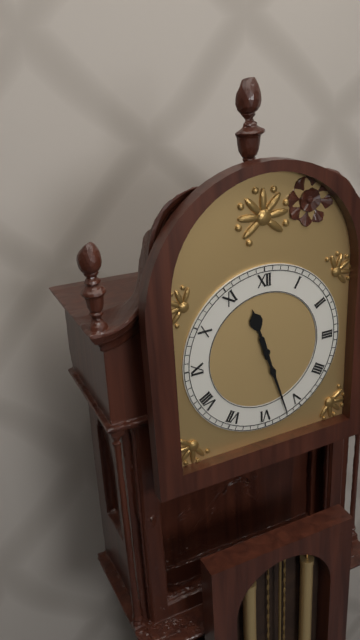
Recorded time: 11:27
